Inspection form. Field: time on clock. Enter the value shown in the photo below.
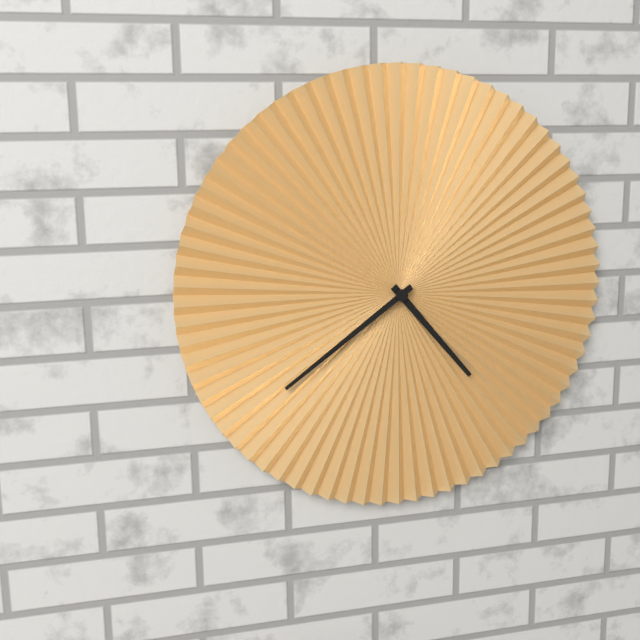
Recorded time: 4:39
